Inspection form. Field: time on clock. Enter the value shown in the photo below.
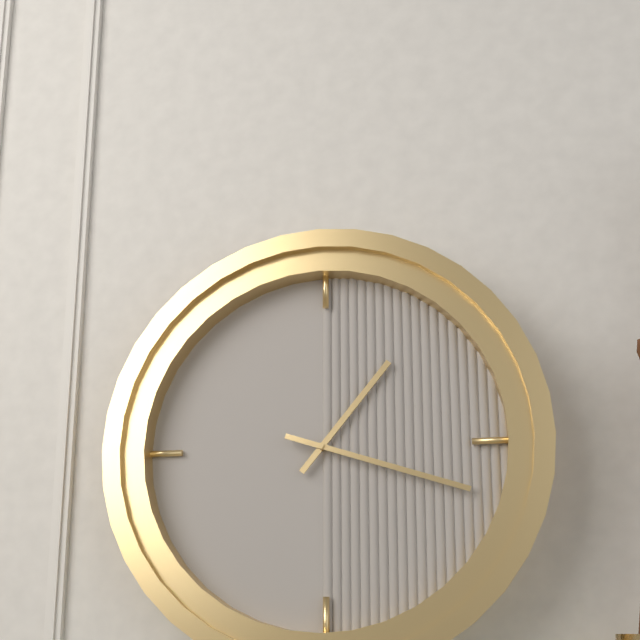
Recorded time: 1:18
